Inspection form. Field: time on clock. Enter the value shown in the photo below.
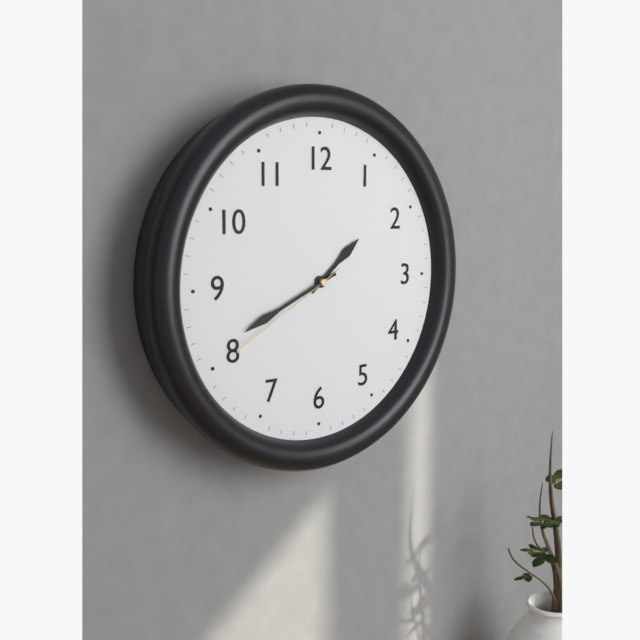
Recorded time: 1:41:40
